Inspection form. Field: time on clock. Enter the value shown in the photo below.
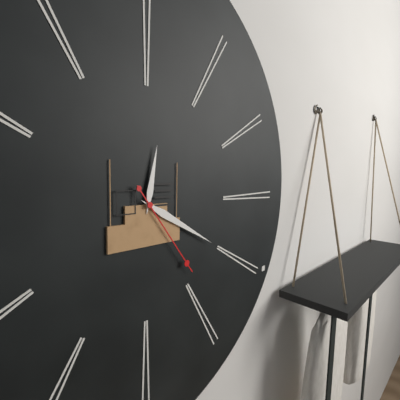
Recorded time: 12:20:24
